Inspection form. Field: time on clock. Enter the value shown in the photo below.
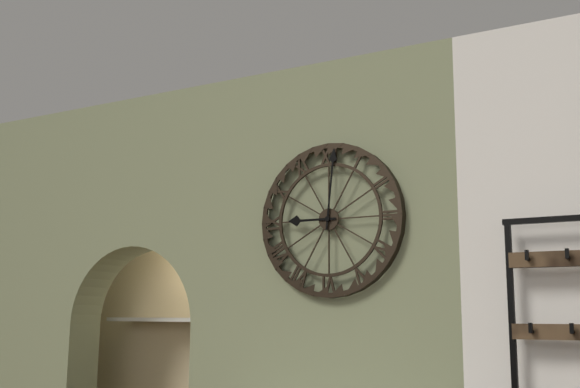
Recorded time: 9:01
